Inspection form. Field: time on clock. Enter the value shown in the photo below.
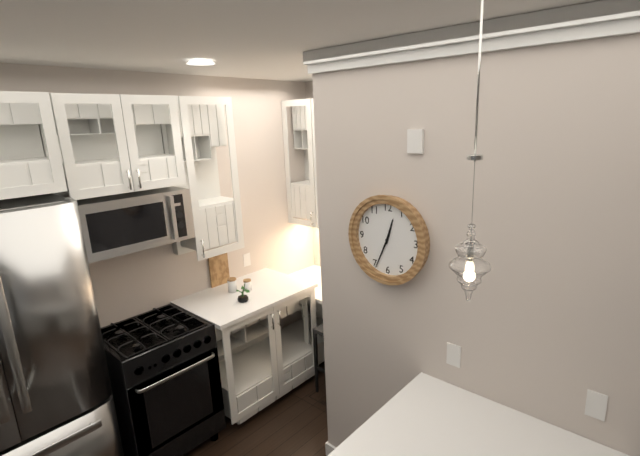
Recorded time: 12:34
